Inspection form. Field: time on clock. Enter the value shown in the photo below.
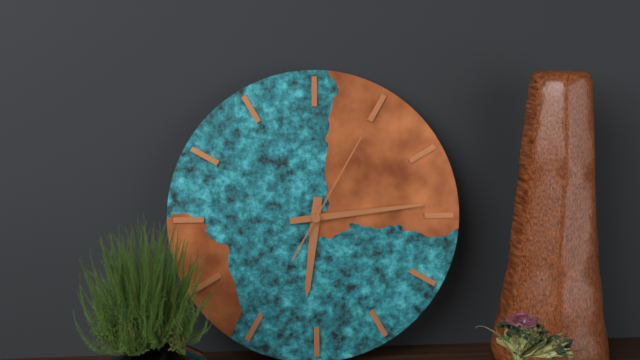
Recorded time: 6:14:05
